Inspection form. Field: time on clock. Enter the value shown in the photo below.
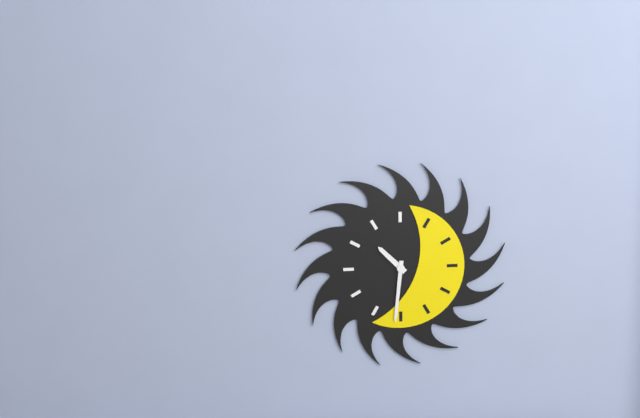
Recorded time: 10:31
